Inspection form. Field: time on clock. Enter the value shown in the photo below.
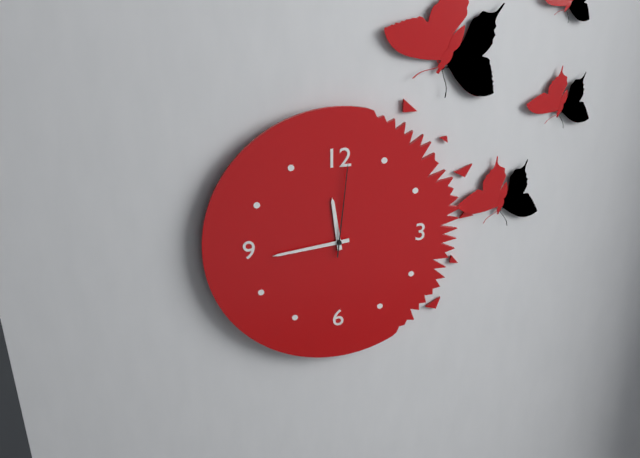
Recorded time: 11:44:01
